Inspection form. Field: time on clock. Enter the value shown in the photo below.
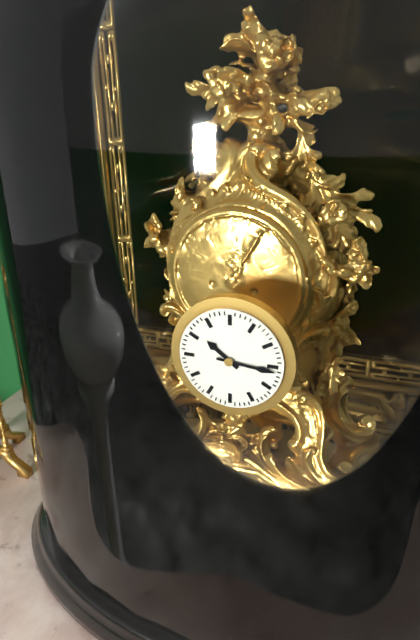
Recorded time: 10:16
